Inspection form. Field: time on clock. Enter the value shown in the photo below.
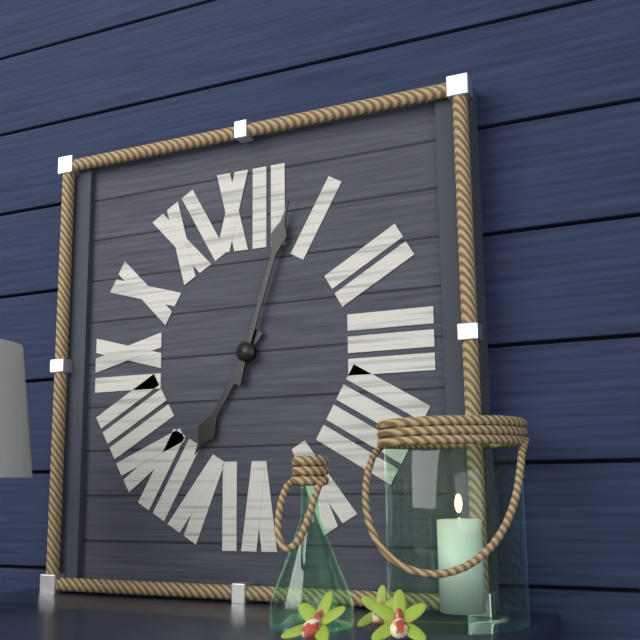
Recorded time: 7:03
